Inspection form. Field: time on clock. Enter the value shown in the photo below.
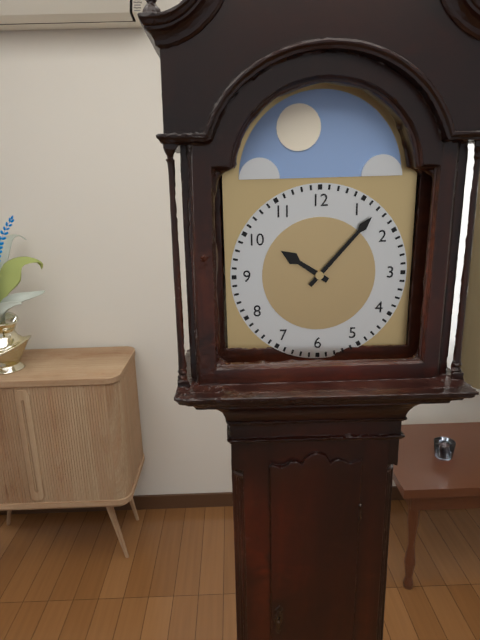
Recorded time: 10:07
